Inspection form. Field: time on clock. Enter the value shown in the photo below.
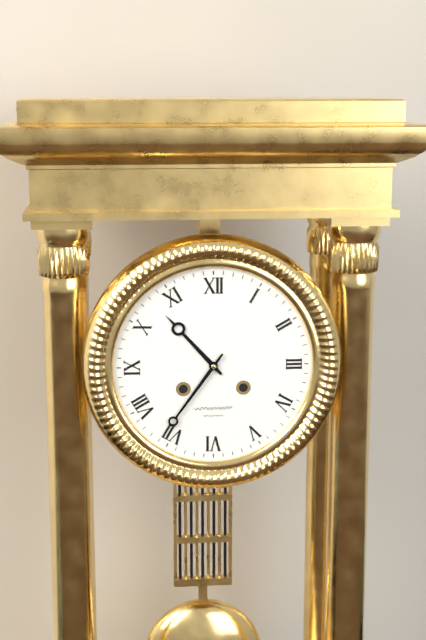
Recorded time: 10:36
